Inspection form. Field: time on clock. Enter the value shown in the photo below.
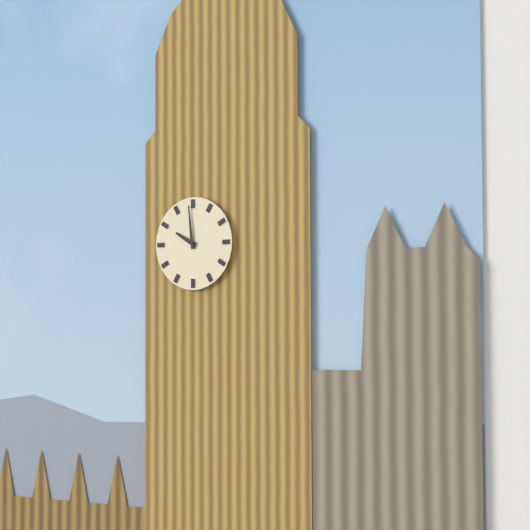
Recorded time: 9:59
